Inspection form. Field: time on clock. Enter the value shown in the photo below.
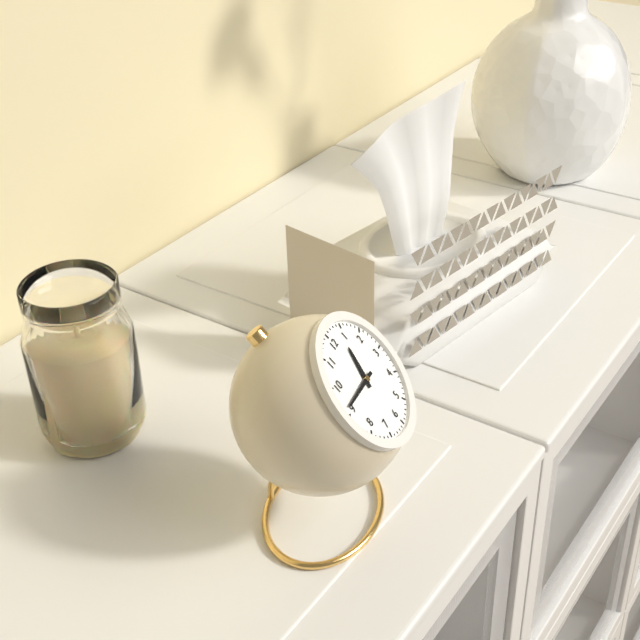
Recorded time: 12:46
